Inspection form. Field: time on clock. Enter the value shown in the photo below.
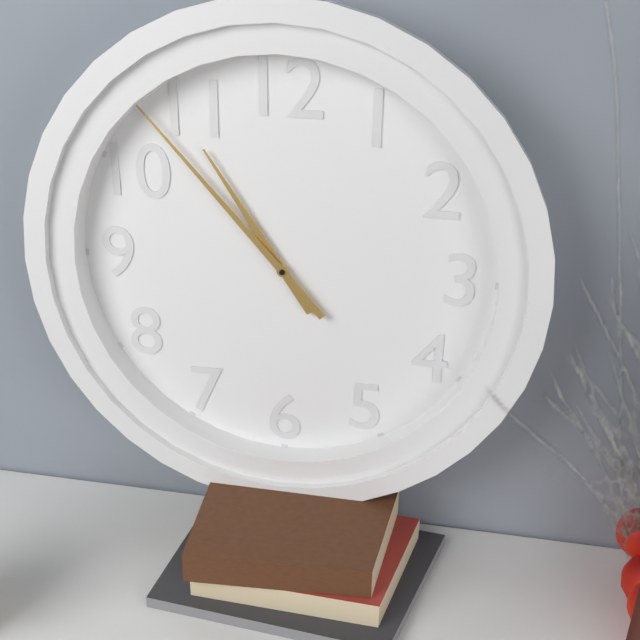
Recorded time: 10:53
